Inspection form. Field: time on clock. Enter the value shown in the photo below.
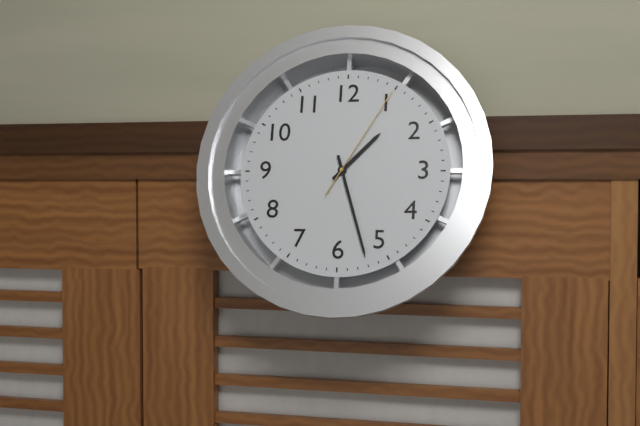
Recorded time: 1:27:05
